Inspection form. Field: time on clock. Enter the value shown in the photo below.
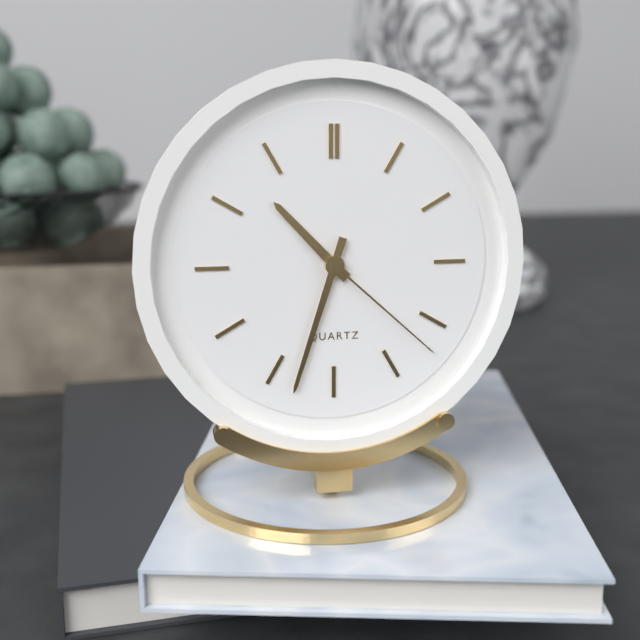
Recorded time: 10:33:22
